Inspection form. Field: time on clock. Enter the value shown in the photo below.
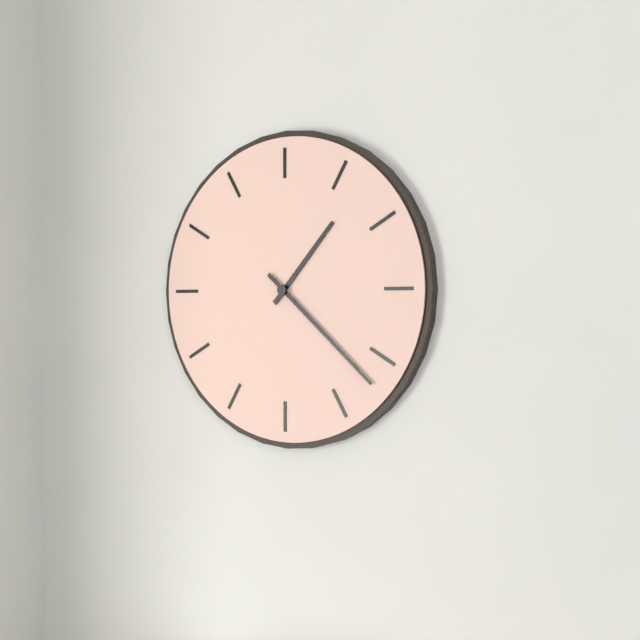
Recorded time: 1:22
